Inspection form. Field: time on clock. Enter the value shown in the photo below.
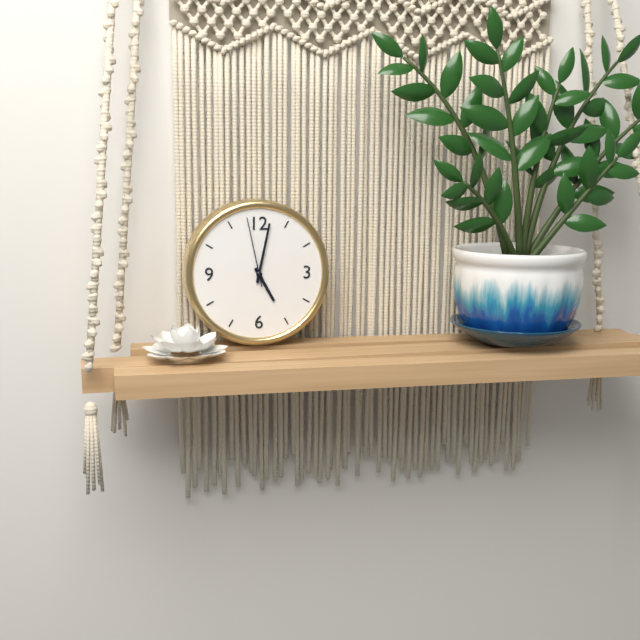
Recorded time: 5:02:58
